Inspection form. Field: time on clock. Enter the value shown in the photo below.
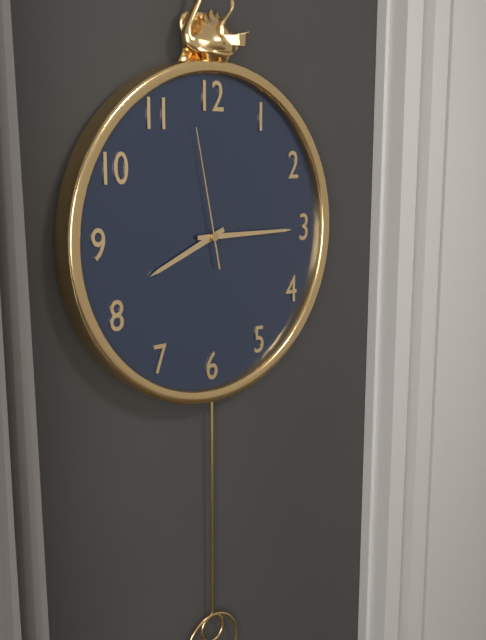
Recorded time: 8:15:58
